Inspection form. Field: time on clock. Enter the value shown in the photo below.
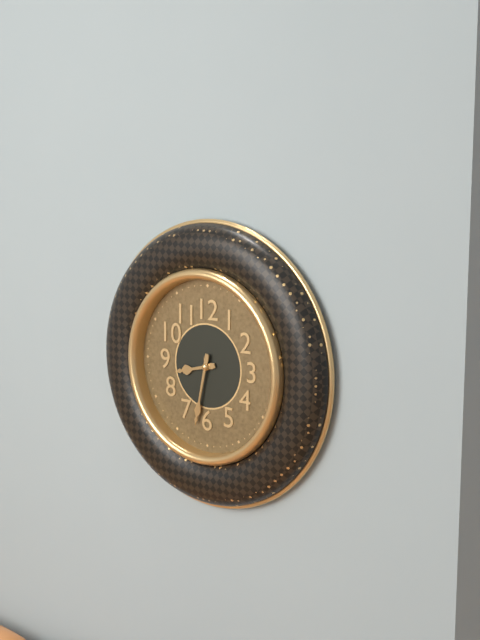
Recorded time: 8:32
